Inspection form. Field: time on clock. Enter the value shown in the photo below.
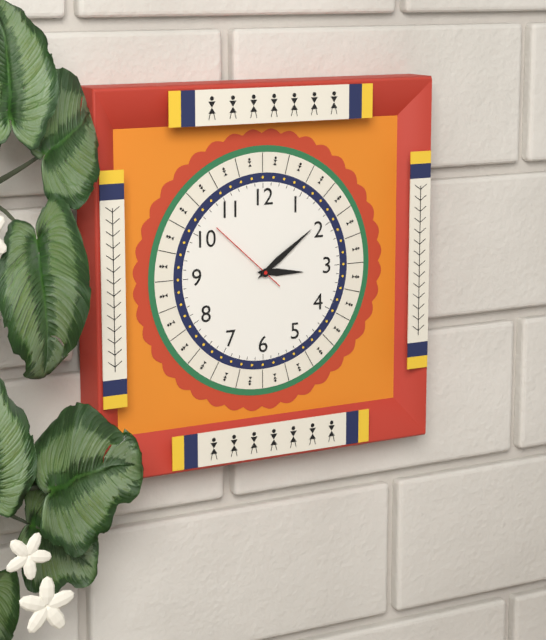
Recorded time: 3:09:52
